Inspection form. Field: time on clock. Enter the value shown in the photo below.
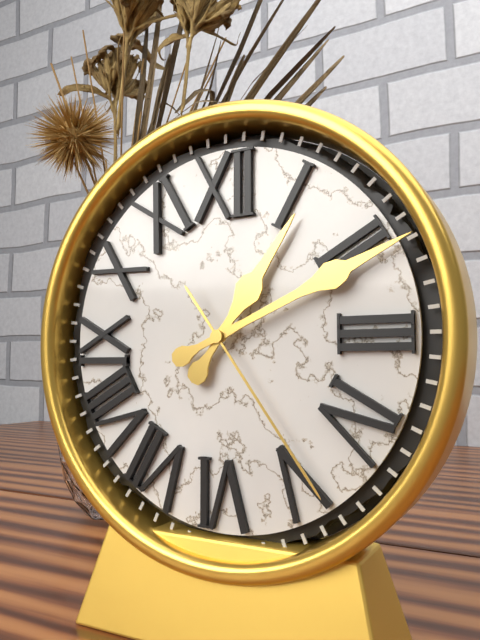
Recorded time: 1:11:24
